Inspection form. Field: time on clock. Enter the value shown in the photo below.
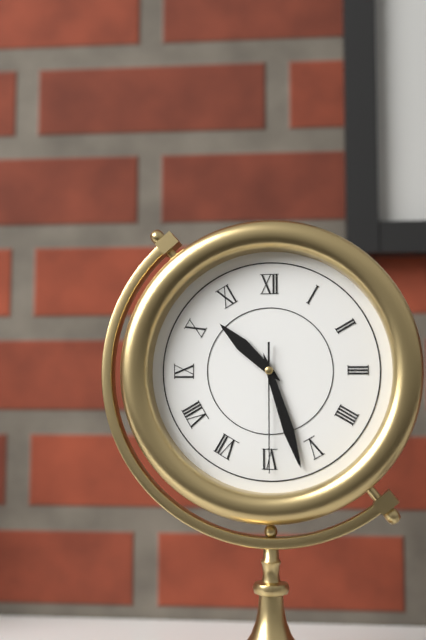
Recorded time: 10:27:30
